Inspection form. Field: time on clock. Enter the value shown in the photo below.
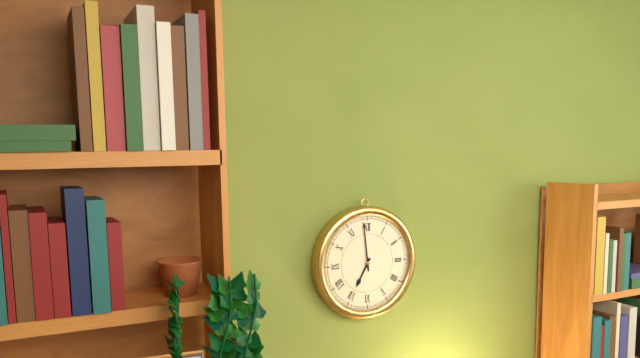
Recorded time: 6:59
